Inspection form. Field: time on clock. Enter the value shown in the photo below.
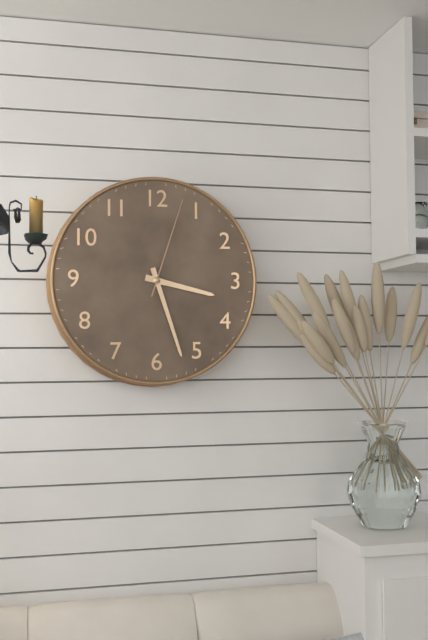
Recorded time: 3:27:03
